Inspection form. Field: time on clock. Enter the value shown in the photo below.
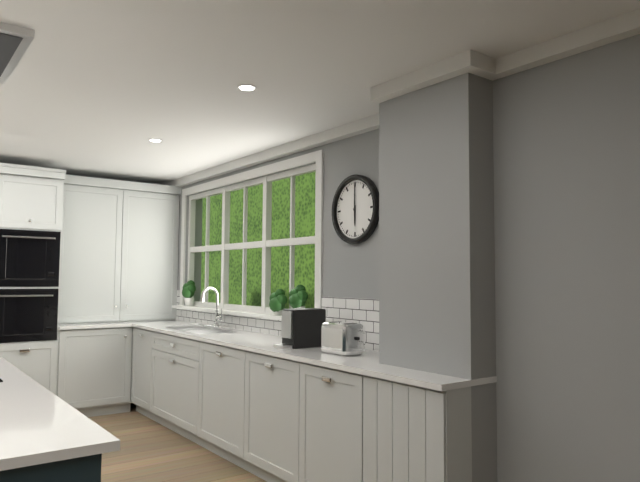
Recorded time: 6:00
